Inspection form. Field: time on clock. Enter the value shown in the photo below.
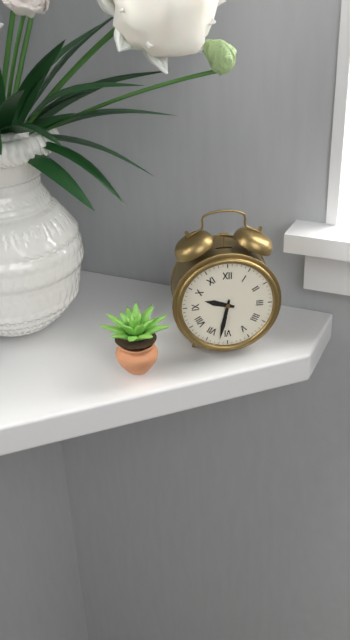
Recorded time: 9:32
